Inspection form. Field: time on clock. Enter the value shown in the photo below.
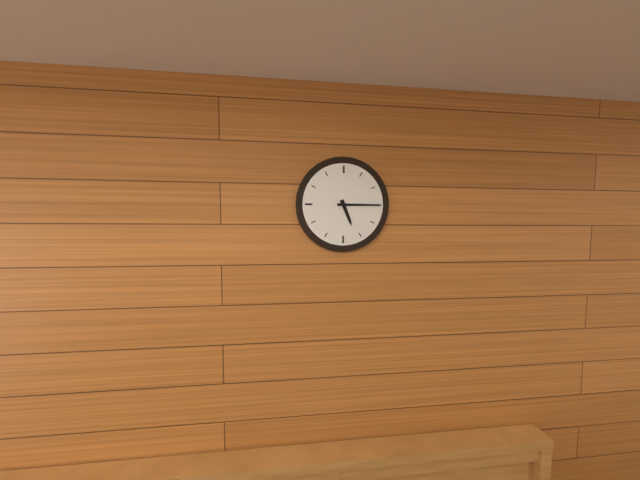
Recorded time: 5:15
